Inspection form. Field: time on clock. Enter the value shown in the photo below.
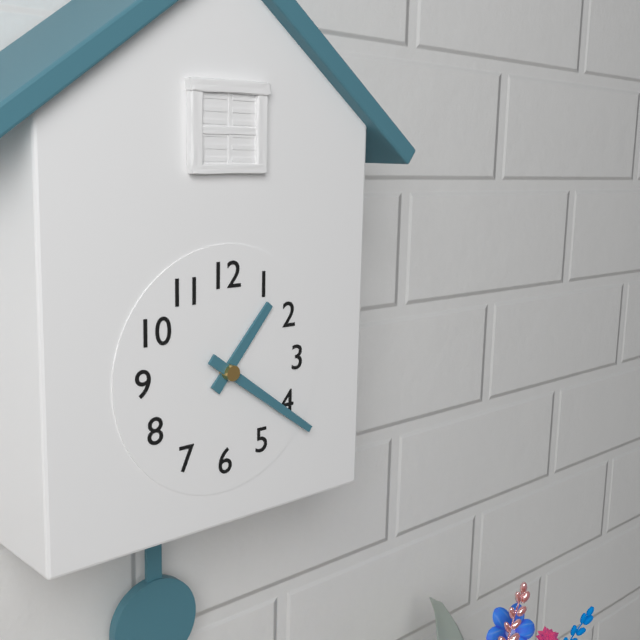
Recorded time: 1:21
